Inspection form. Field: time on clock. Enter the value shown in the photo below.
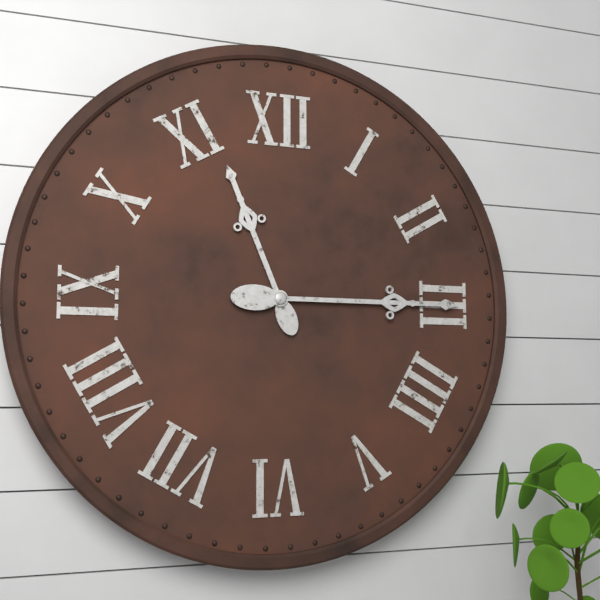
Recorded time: 11:15
